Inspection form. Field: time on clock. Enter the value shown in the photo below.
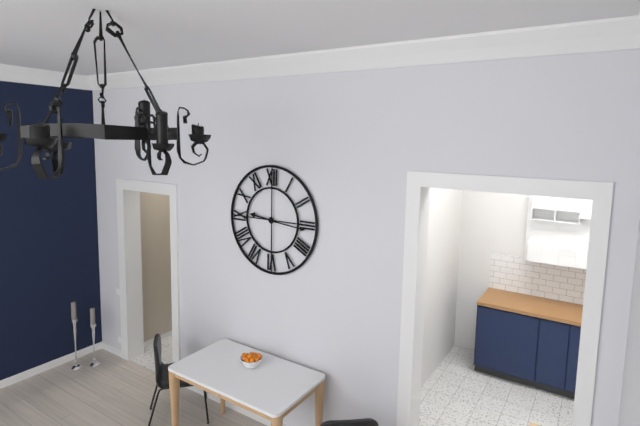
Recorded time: 9:16
